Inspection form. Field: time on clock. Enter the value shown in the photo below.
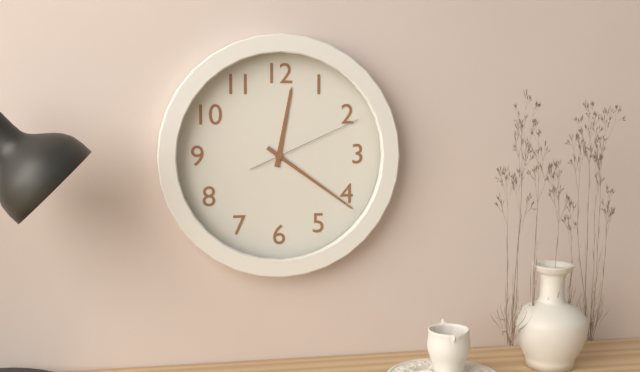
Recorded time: 12:21:11
